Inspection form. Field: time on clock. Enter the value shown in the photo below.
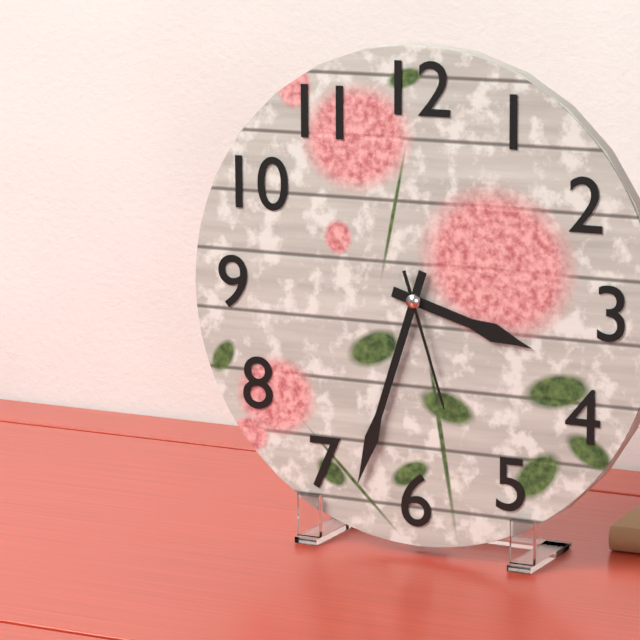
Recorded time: 3:33:27
